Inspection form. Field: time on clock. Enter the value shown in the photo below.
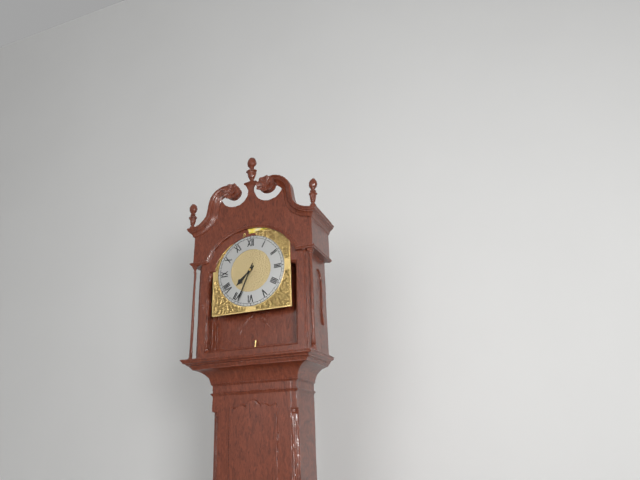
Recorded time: 7:34
